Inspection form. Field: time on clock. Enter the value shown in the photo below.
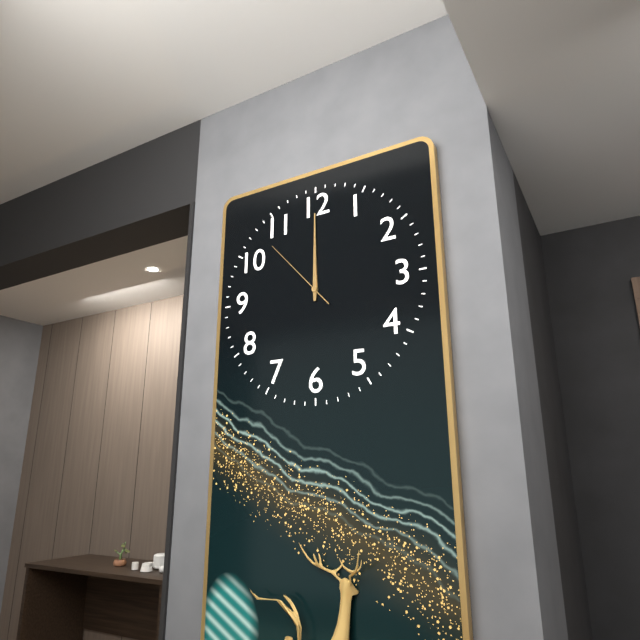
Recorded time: 12:00:53
